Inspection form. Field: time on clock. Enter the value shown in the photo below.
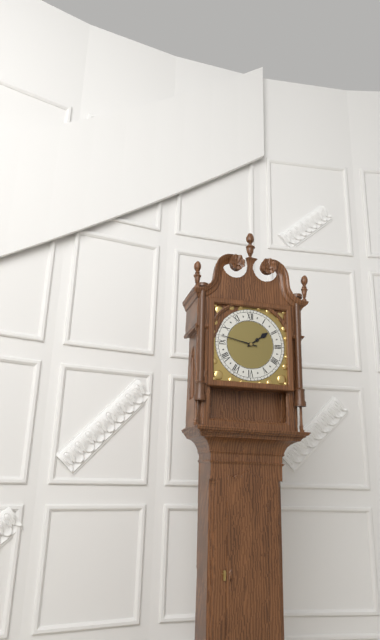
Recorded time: 1:47
